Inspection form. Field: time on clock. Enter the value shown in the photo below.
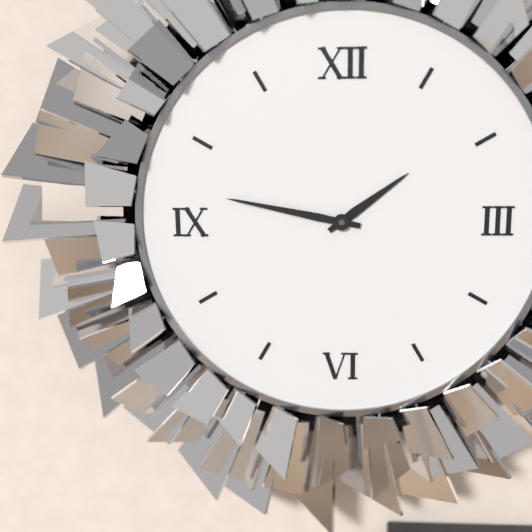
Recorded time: 1:47
